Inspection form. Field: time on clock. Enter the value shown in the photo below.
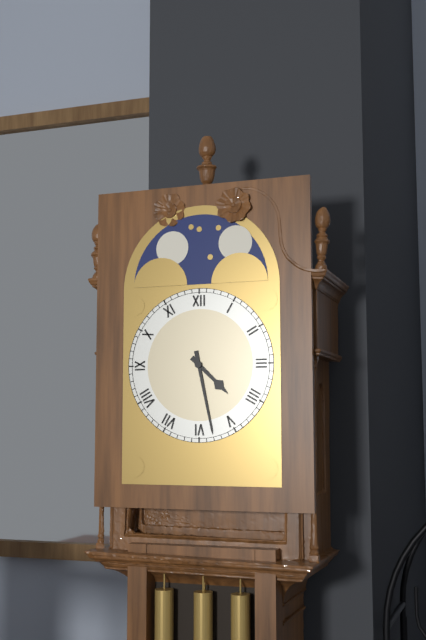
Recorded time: 4:28
